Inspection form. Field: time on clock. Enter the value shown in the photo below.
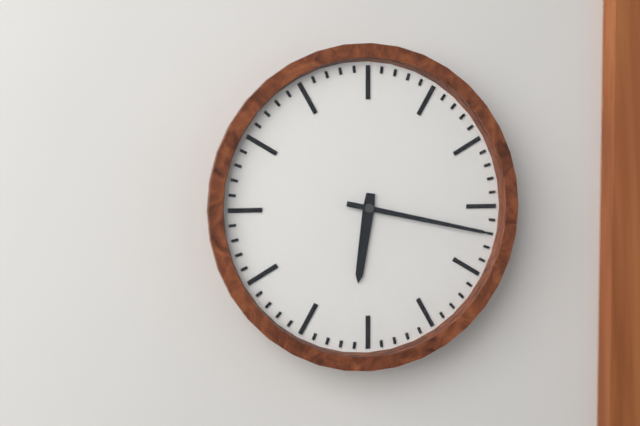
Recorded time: 6:17
